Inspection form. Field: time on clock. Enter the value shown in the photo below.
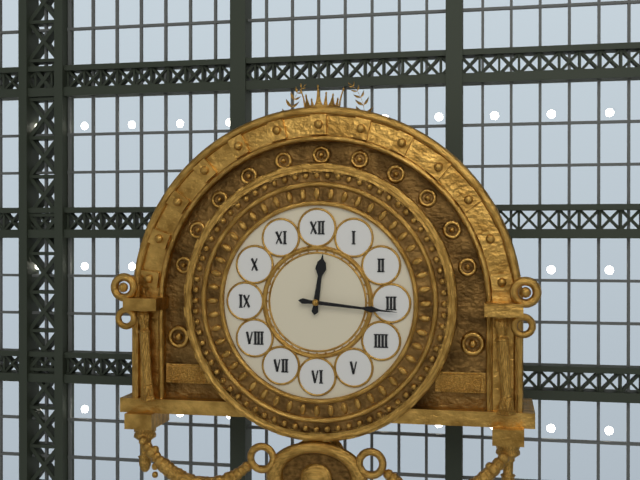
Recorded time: 12:16
